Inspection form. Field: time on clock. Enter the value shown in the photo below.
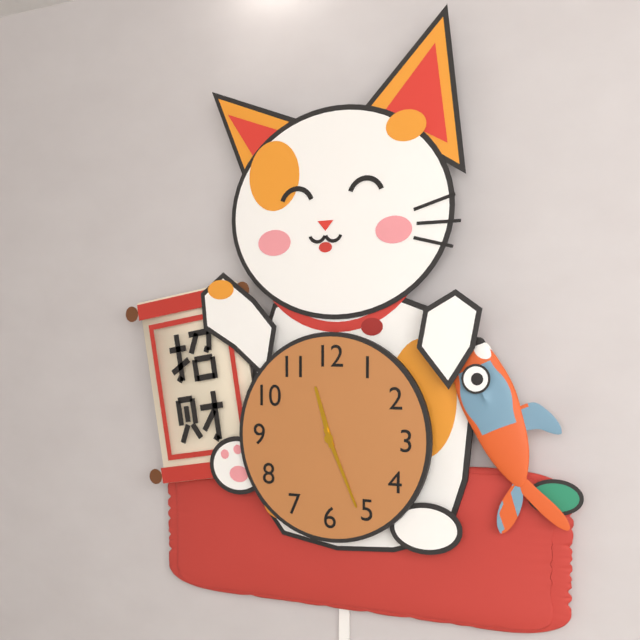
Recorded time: 11:26
